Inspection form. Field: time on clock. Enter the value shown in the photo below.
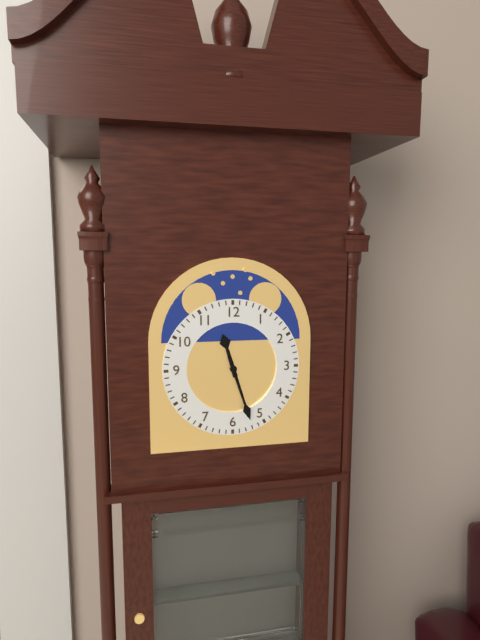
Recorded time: 11:27
